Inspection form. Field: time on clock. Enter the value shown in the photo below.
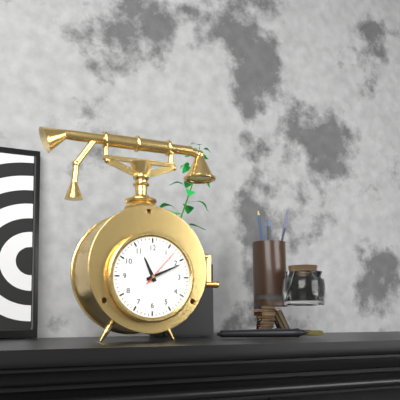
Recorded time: 11:11
